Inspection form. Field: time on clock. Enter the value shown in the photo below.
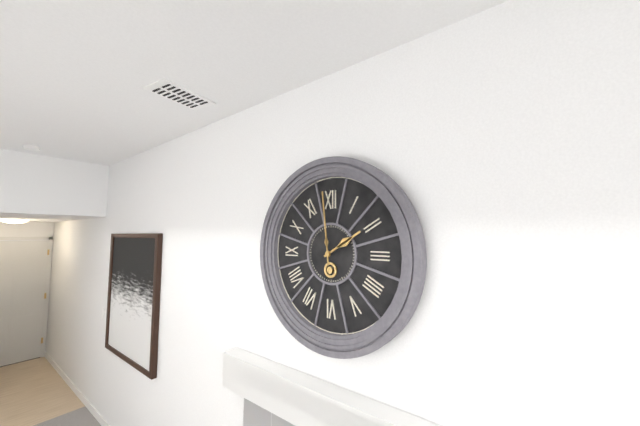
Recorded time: 1:59
